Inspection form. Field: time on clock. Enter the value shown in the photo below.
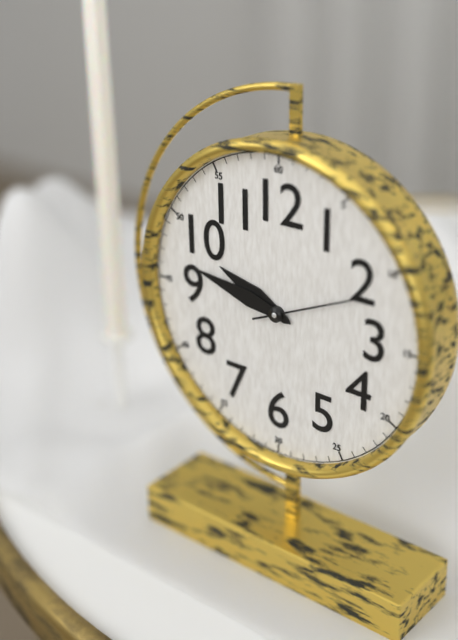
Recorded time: 9:47:11
